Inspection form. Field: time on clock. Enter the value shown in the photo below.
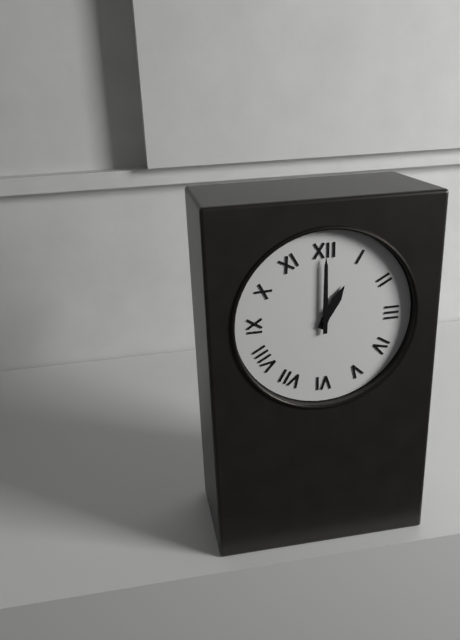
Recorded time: 1:00
